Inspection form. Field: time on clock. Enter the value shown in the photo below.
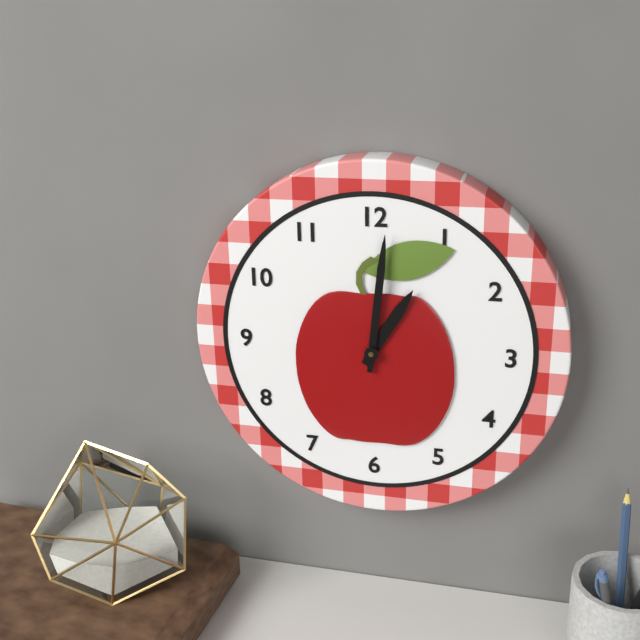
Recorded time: 1:01
